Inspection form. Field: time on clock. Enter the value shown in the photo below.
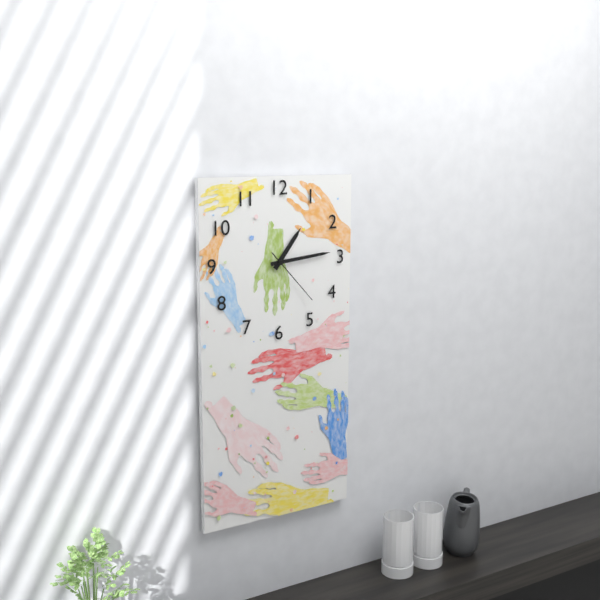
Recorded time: 1:14:23
